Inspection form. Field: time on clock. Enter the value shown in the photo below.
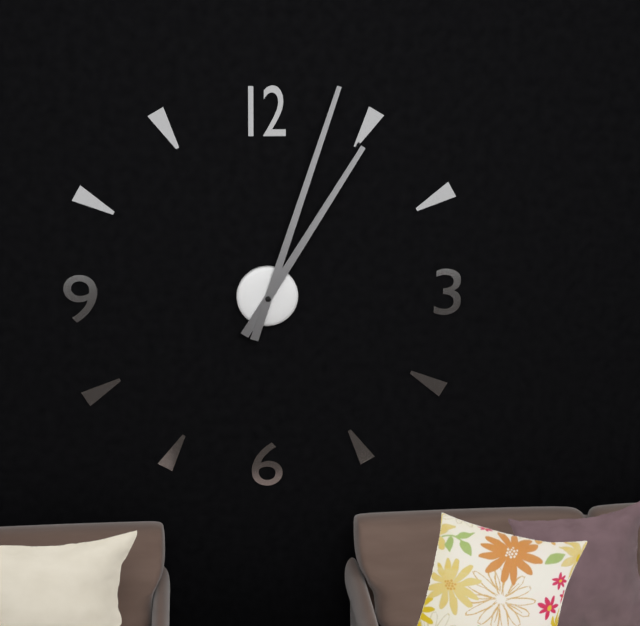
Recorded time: 1:03
